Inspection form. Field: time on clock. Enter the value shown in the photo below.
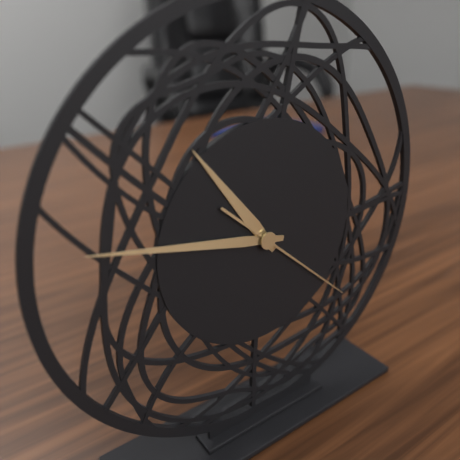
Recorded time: 10:47:22
